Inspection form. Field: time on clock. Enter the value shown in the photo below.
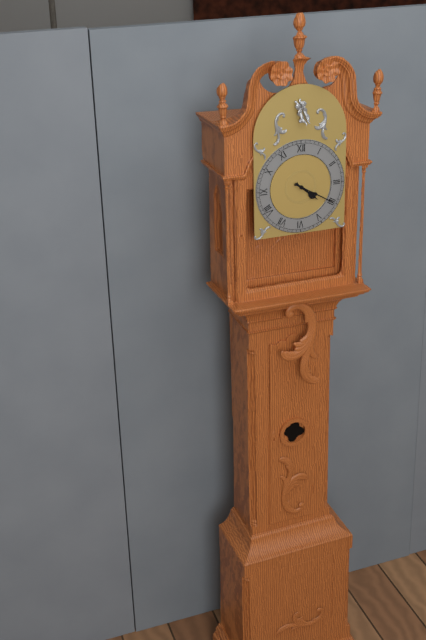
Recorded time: 4:20
